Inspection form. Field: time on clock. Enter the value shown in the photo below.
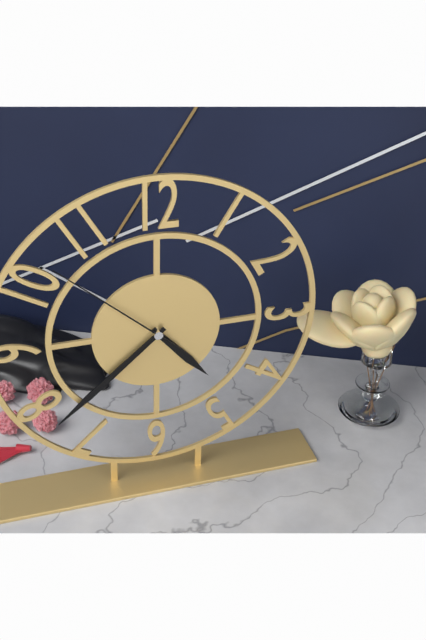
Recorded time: 4:38:52
